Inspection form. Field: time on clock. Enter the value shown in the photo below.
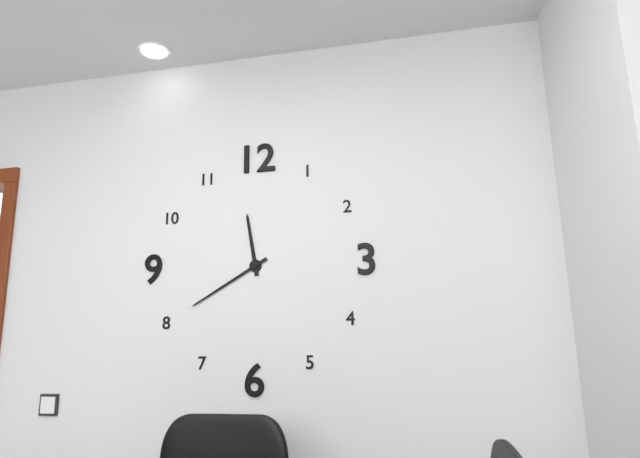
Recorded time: 11:40
